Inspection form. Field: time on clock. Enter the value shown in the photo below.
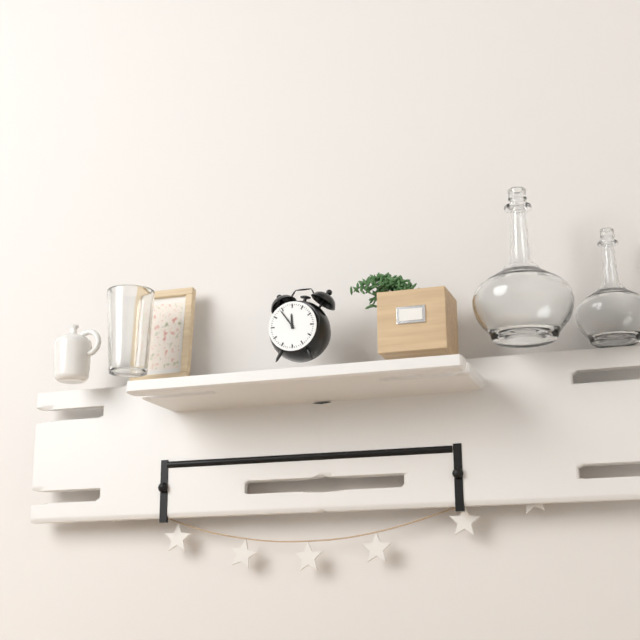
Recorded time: 11:54
